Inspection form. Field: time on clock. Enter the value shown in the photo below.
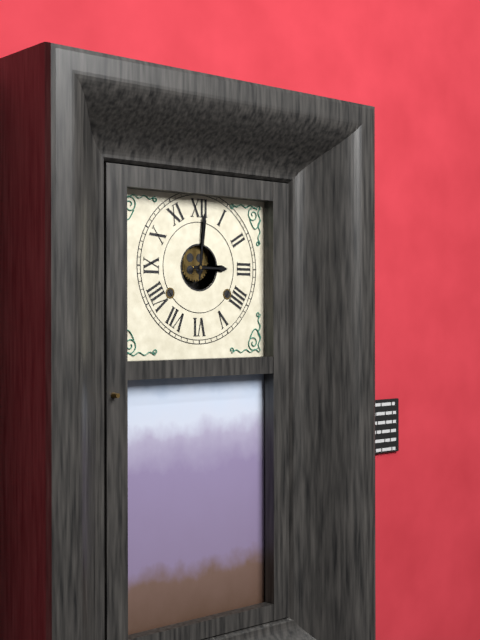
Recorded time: 3:01
